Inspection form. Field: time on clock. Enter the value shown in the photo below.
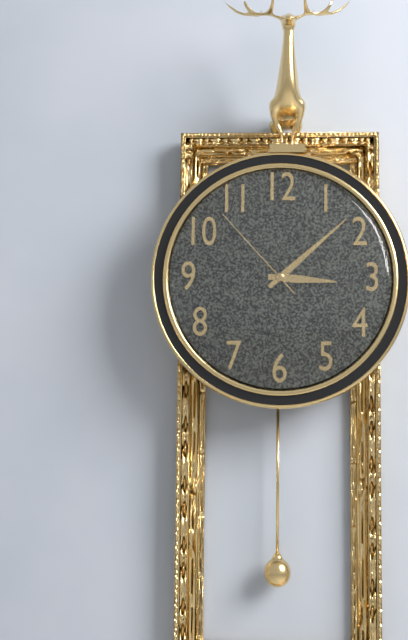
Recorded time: 3:08:53
